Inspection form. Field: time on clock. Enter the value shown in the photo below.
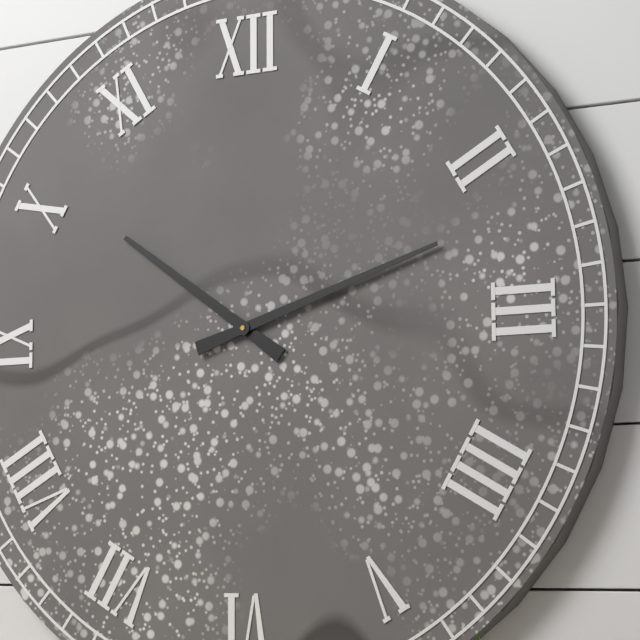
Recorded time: 10:12
